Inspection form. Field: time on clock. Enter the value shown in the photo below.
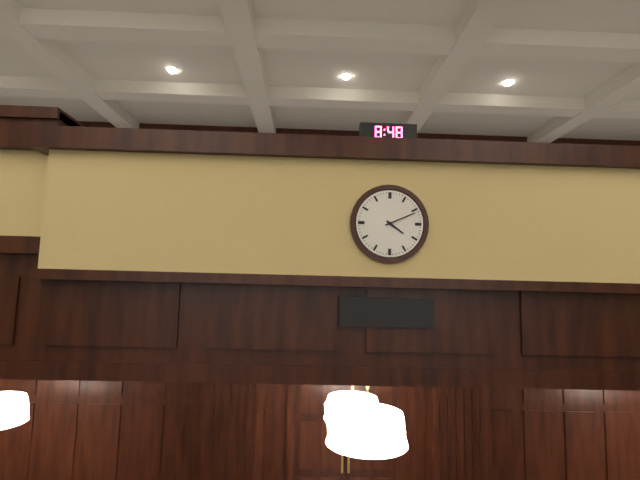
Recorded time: 4:11
